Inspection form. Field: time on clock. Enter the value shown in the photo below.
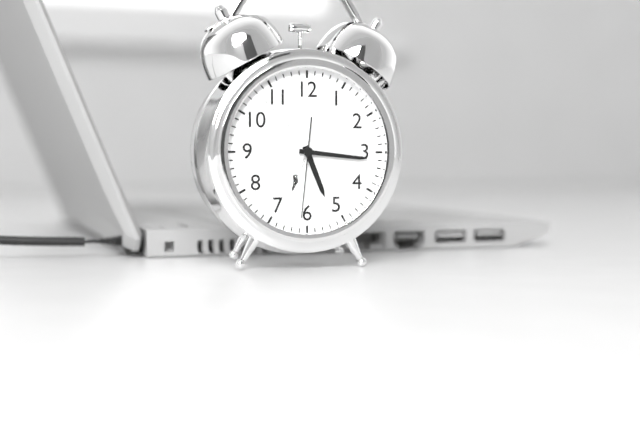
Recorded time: 5:16:31
